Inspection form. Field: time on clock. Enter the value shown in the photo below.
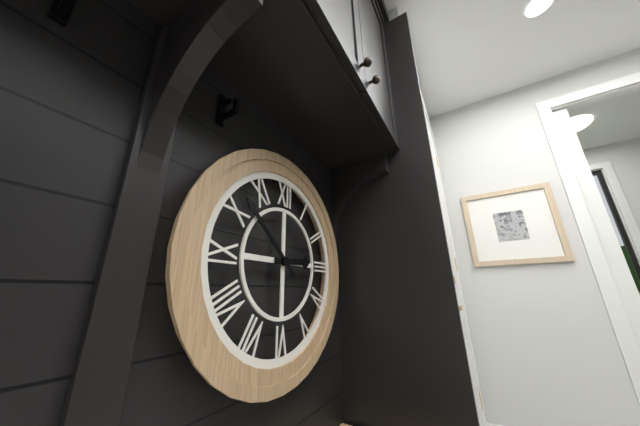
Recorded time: 2:52
